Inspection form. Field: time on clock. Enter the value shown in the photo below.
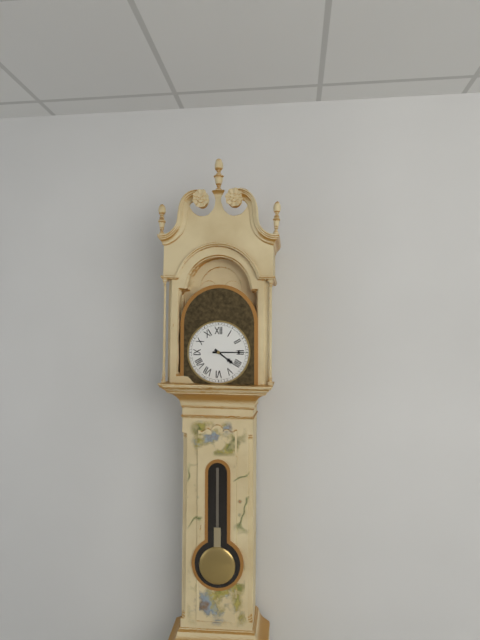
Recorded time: 4:15
